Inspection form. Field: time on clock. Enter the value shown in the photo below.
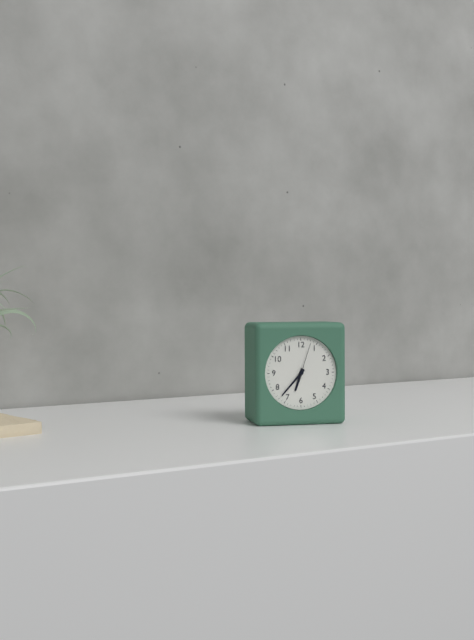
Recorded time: 6:37
